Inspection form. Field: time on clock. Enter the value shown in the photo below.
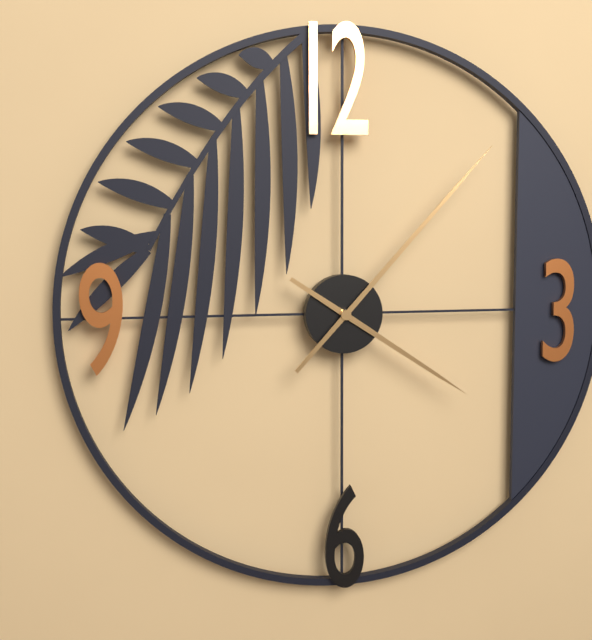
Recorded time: 4:07
